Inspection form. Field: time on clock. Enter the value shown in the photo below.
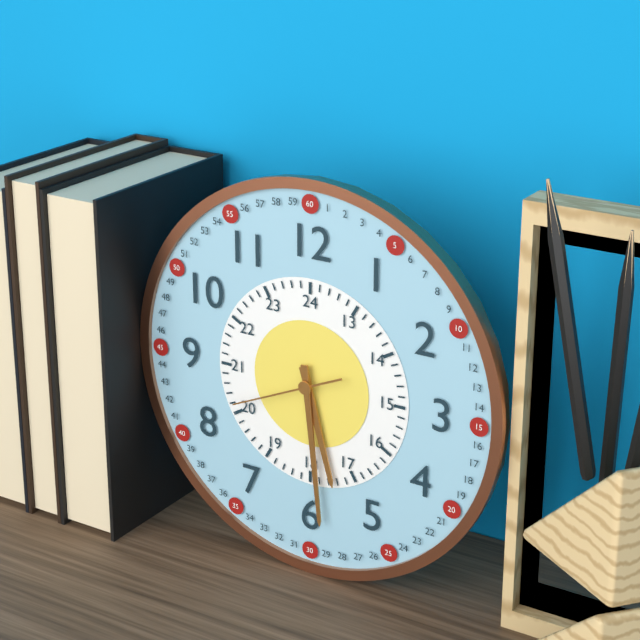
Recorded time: 5:29:41
